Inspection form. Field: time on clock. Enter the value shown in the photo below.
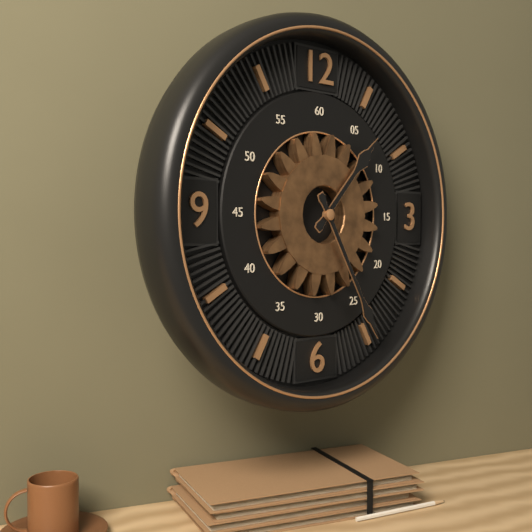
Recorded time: 1:25
